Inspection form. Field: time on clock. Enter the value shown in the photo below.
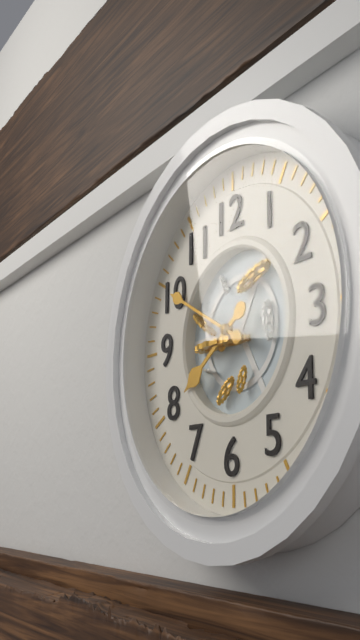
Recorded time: 7:50
